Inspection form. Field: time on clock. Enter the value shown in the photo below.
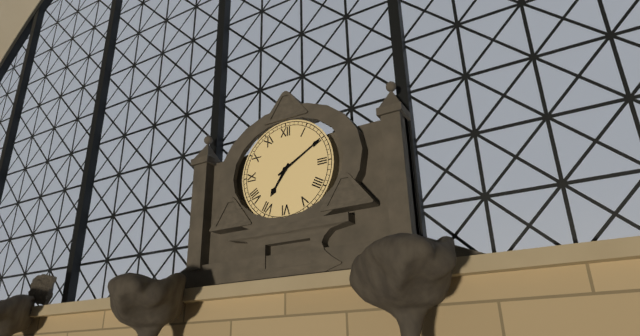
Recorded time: 7:10
